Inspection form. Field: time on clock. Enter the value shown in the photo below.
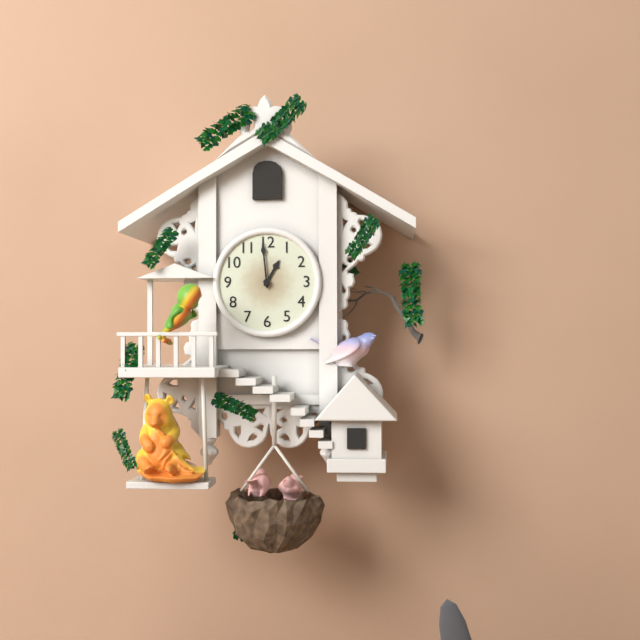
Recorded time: 12:59
